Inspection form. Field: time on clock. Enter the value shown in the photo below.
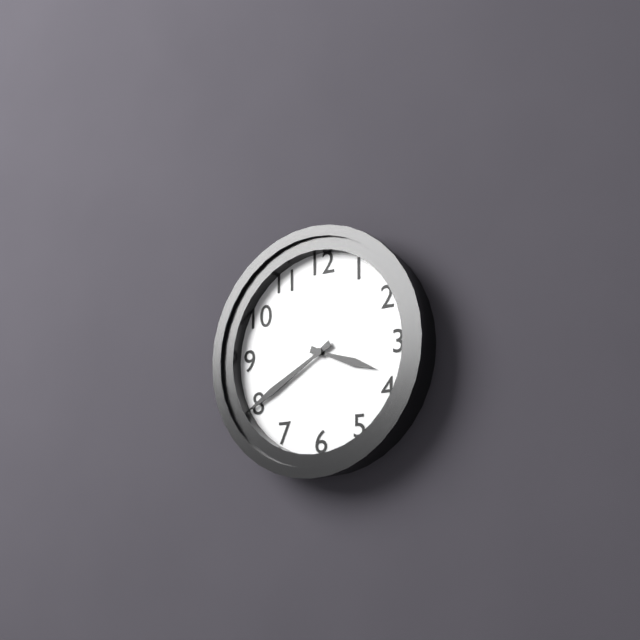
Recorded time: 3:40
